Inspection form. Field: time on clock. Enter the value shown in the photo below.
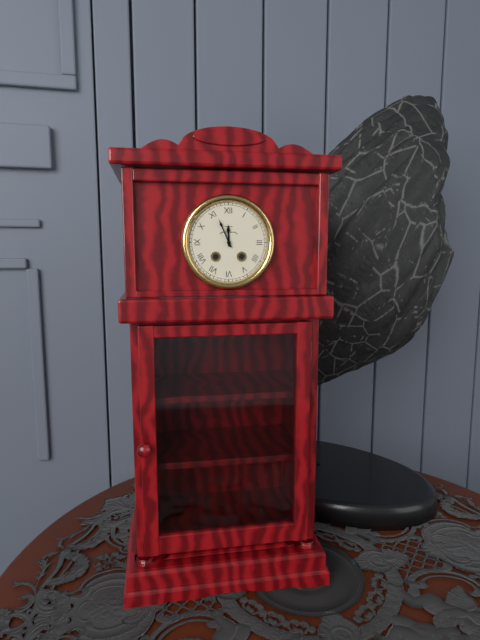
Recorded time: 11:56
